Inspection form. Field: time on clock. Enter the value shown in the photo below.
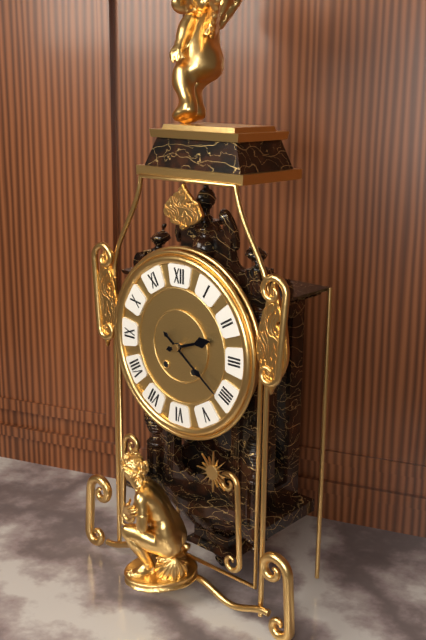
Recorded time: 2:21
